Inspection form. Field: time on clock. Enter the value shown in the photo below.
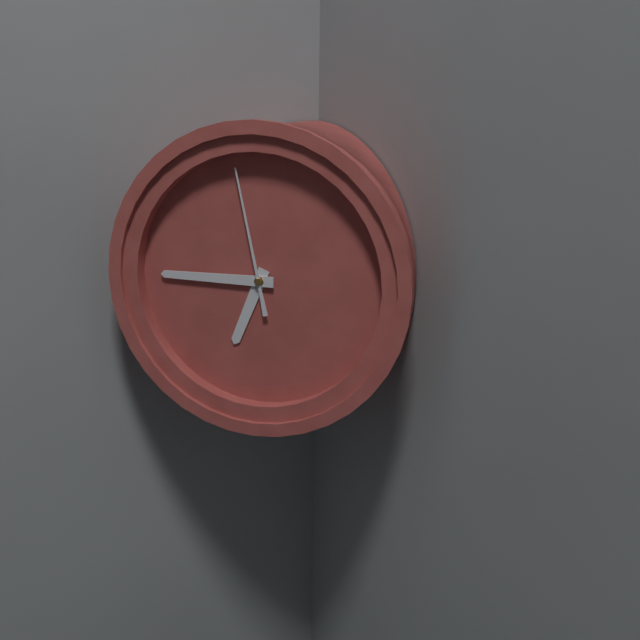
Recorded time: 6:45:58
